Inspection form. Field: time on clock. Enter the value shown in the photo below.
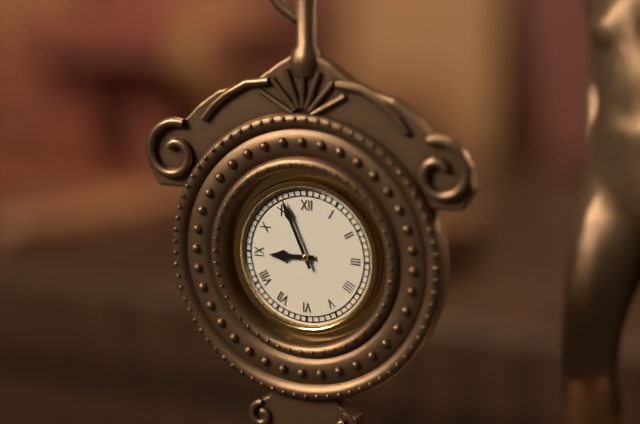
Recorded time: 8:56
